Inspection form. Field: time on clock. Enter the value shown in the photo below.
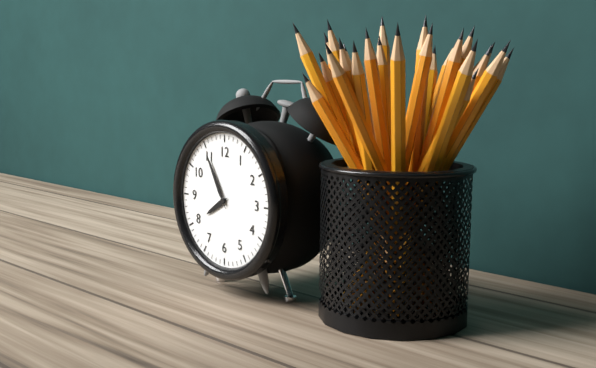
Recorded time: 7:55
